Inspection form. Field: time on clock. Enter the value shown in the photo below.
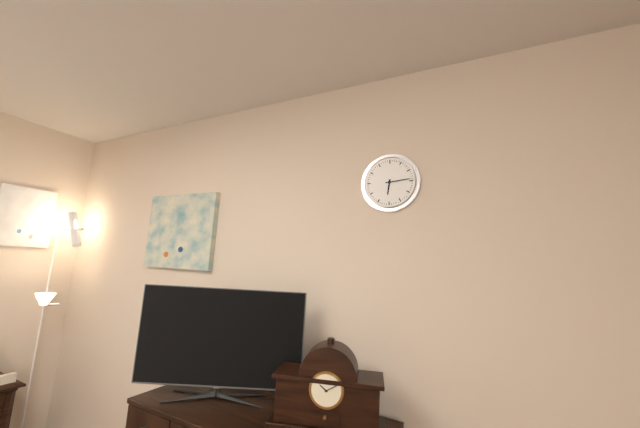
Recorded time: 6:14
